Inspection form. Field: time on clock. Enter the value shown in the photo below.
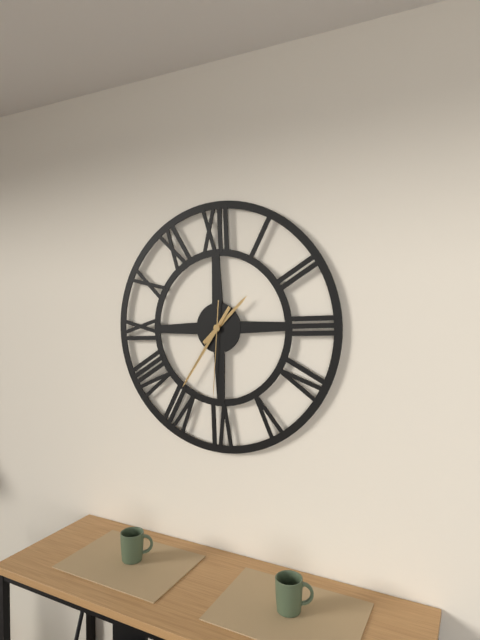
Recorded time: 1:36:31
